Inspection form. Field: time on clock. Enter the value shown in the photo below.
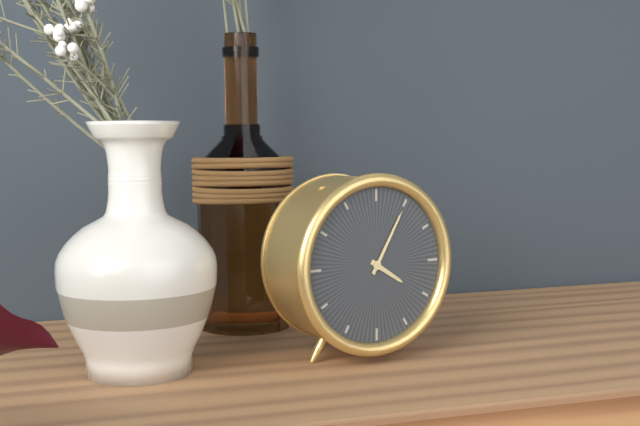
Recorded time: 4:05
